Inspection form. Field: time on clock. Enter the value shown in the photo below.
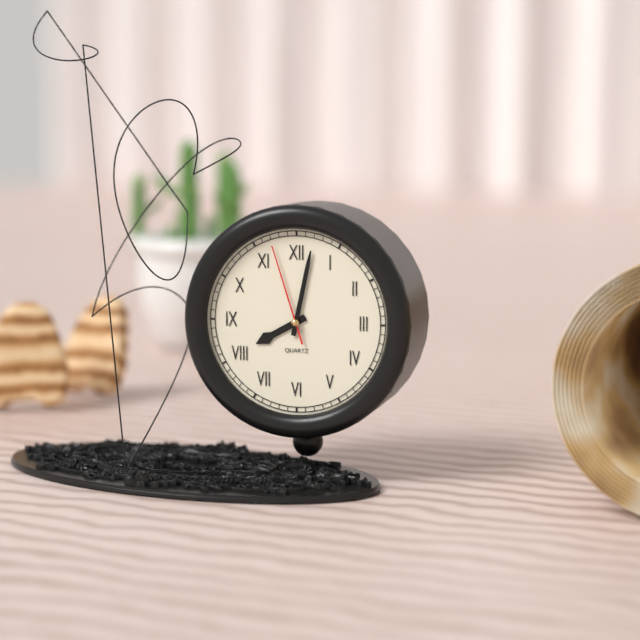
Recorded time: 8:02:57
